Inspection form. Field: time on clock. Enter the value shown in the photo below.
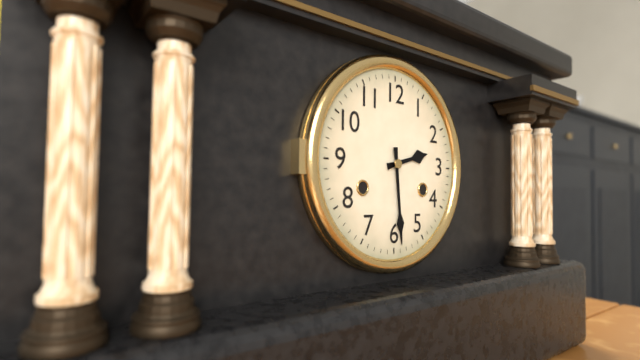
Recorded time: 2:29
